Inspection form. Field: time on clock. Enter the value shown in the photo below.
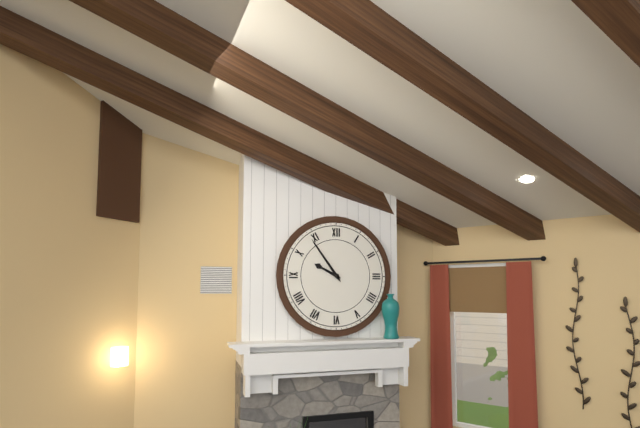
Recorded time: 9:54
